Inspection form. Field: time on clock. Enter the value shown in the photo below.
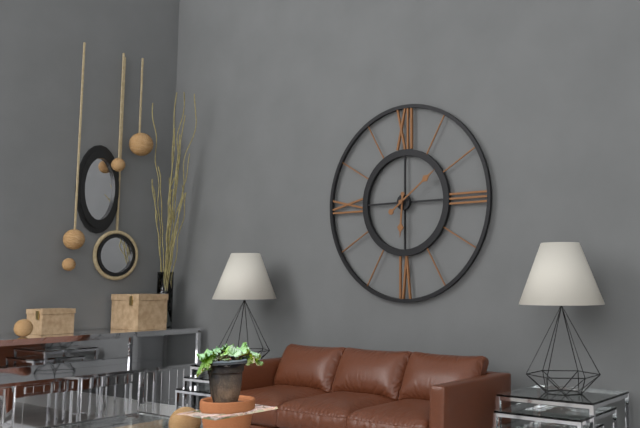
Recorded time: 6:09
